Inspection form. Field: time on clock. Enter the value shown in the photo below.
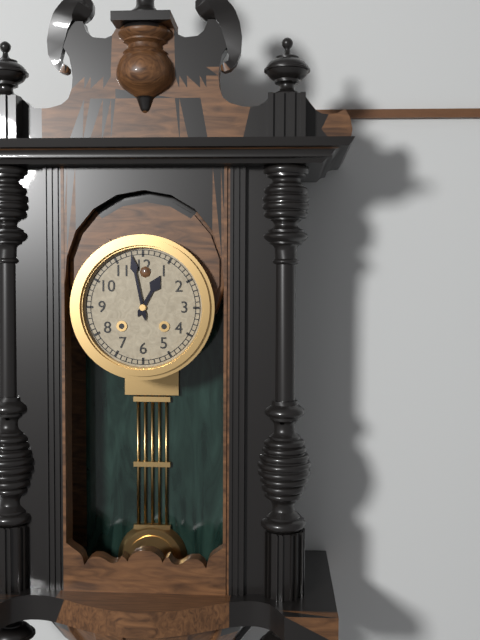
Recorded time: 12:58
